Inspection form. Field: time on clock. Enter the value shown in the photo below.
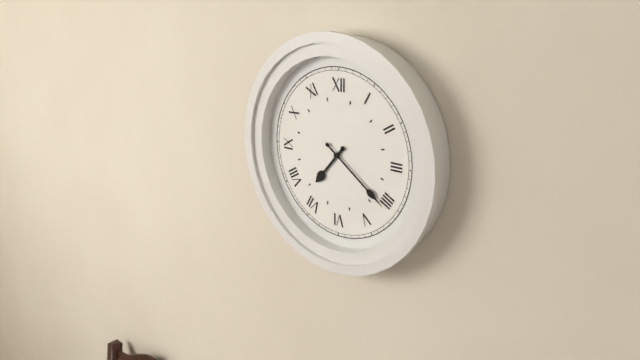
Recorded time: 7:21
